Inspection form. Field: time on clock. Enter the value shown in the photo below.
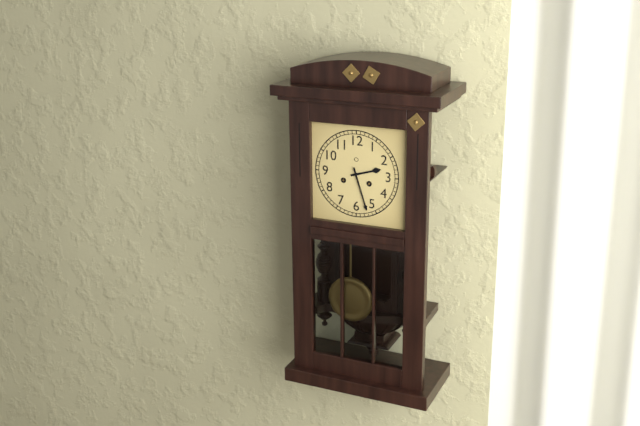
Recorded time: 2:27
